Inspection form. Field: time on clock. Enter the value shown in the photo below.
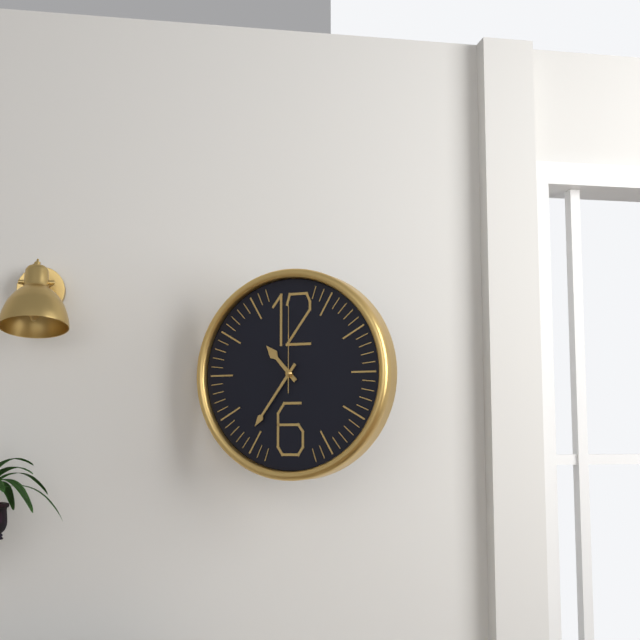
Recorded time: 10:36:00
